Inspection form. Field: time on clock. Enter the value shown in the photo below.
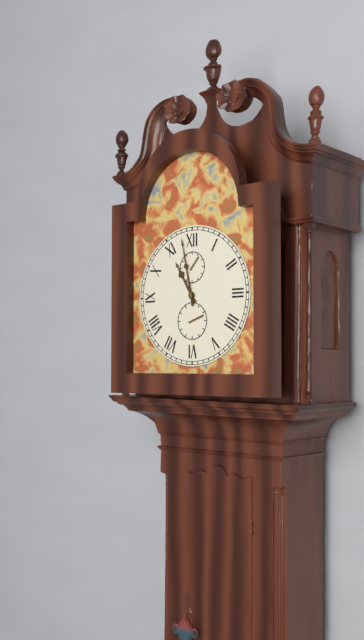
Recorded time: 10:58
